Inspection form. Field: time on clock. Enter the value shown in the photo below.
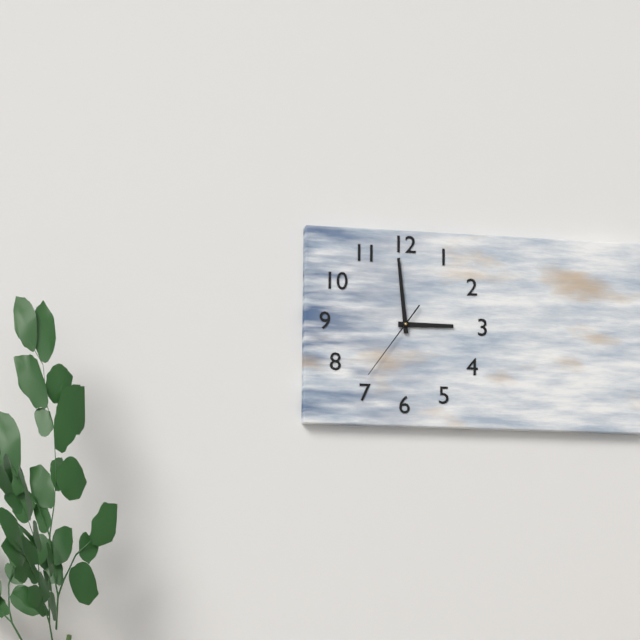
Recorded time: 2:59:36
